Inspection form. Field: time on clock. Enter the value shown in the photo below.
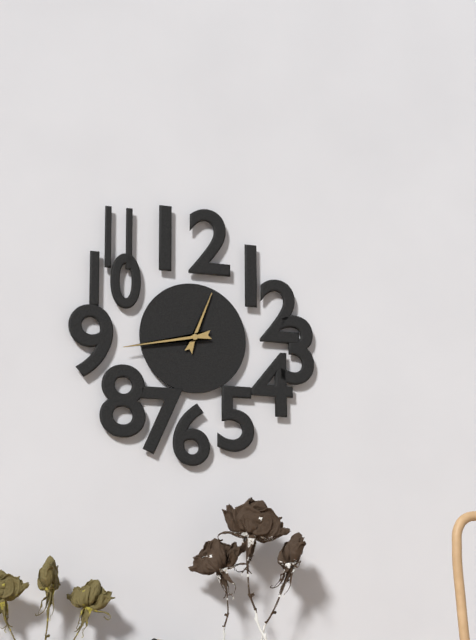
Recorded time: 12:43
